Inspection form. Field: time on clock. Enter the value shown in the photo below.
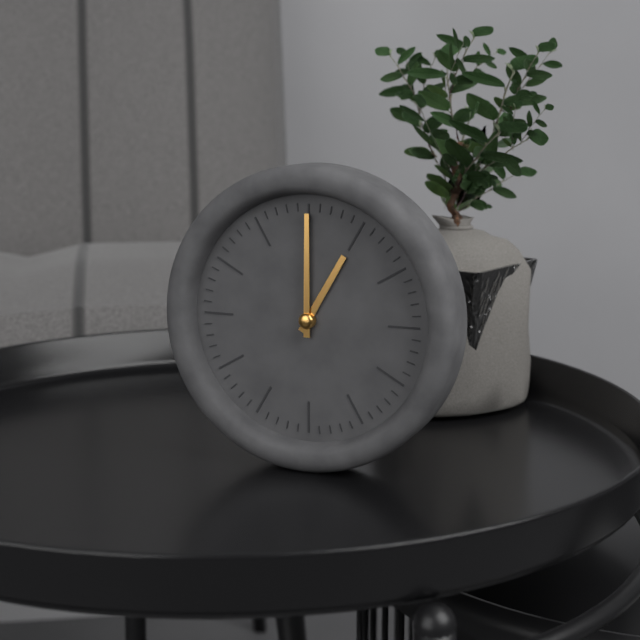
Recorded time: 1:00
